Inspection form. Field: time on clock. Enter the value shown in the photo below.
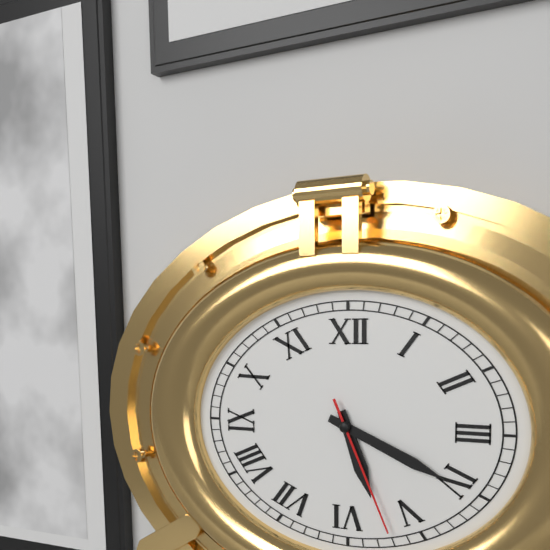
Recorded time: 5:19:26
